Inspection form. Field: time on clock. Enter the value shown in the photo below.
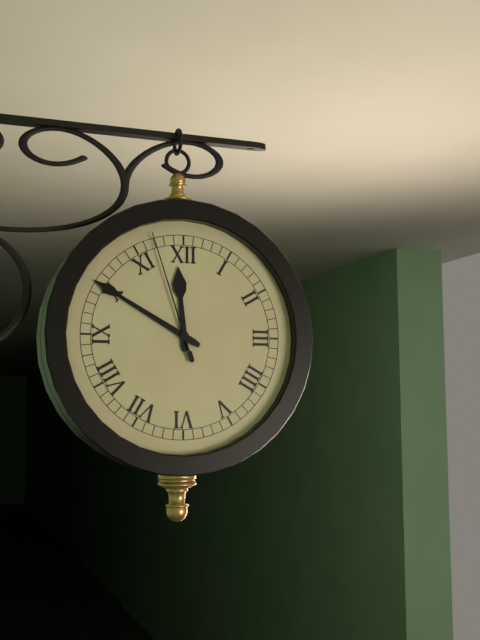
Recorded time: 11:50:57
